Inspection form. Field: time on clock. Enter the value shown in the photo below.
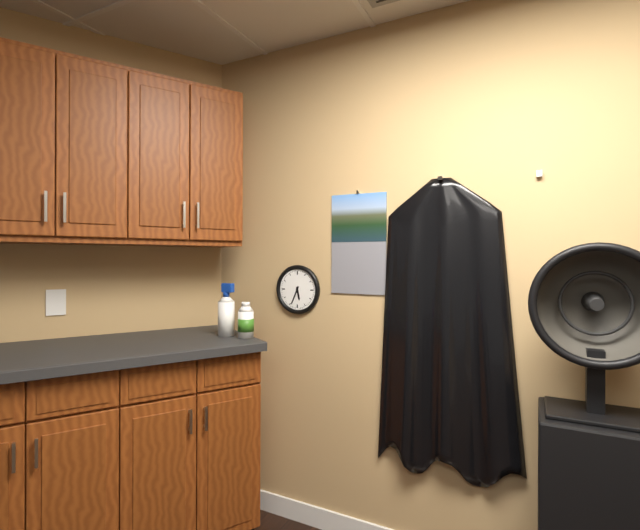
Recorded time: 5:34
